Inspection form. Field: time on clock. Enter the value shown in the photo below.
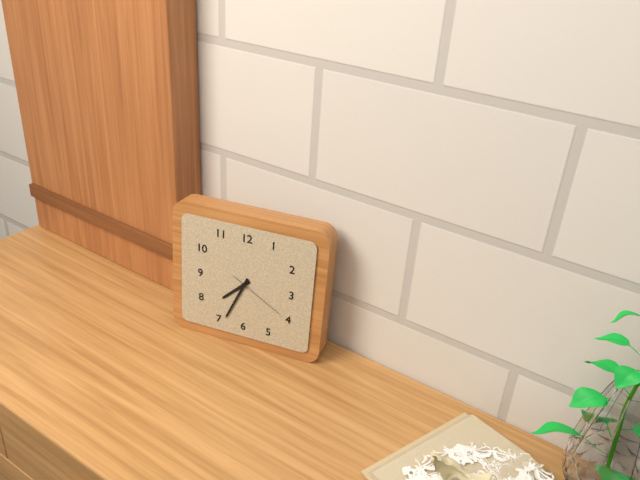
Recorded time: 7:34:20
